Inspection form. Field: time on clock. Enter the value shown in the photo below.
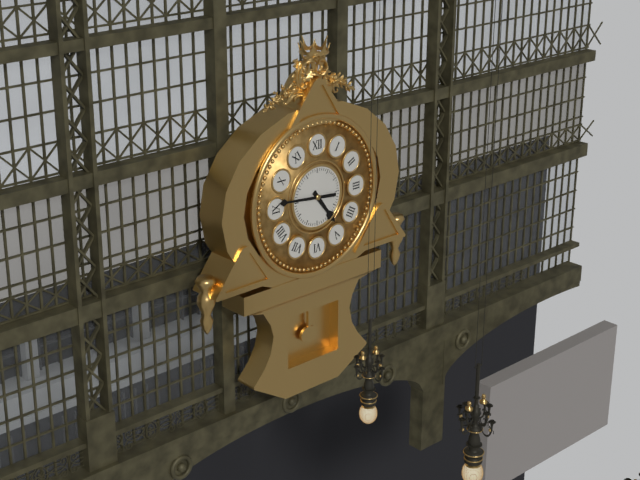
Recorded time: 4:46
